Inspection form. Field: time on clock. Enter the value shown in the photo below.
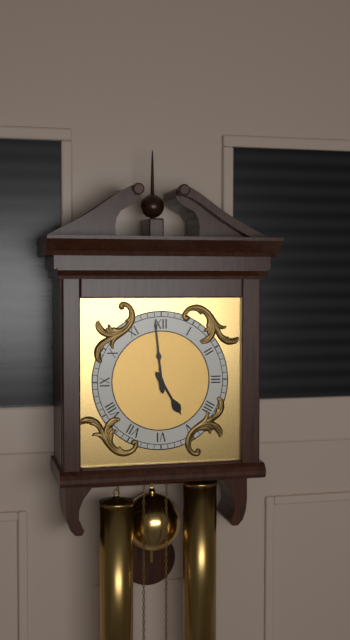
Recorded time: 4:59
